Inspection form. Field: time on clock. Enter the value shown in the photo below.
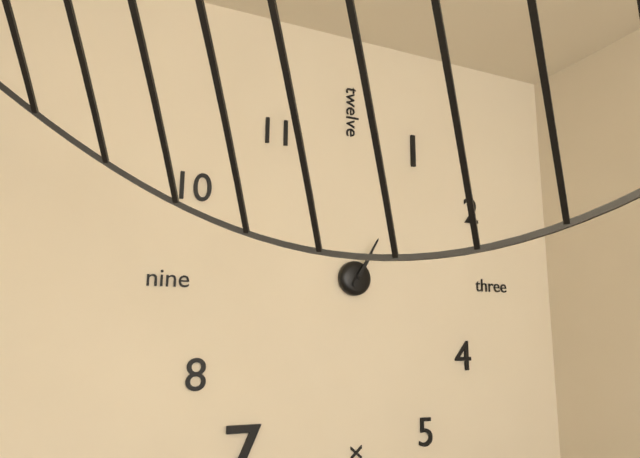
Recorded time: 1:05
